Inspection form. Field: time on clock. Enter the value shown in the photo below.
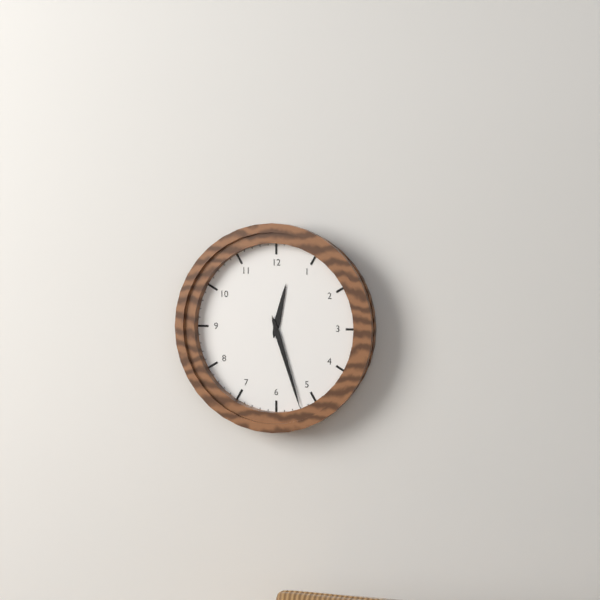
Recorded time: 12:27
